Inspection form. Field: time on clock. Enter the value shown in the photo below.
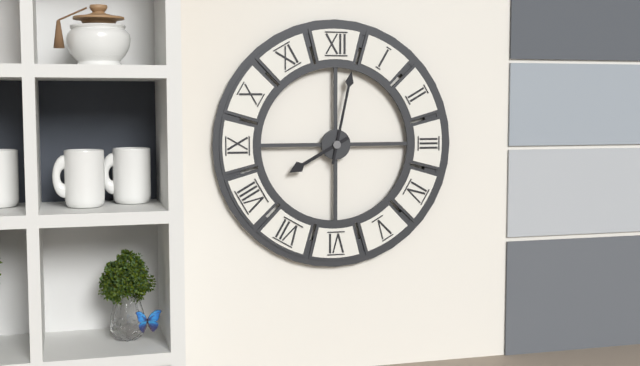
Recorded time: 8:02
